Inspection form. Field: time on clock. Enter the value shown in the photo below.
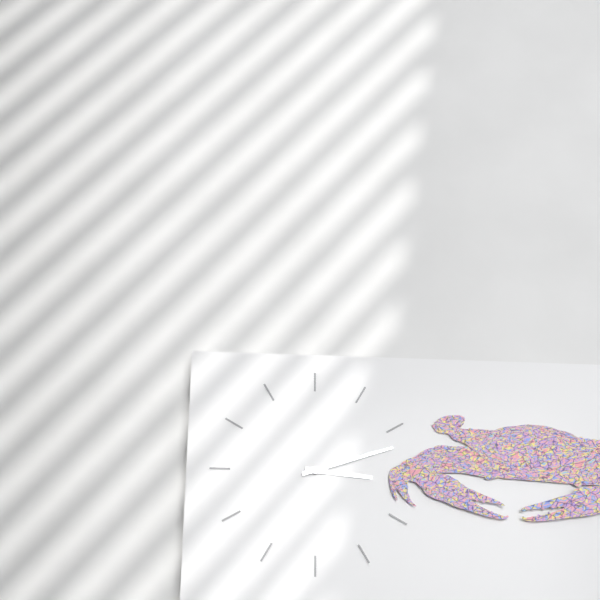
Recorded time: 3:12
